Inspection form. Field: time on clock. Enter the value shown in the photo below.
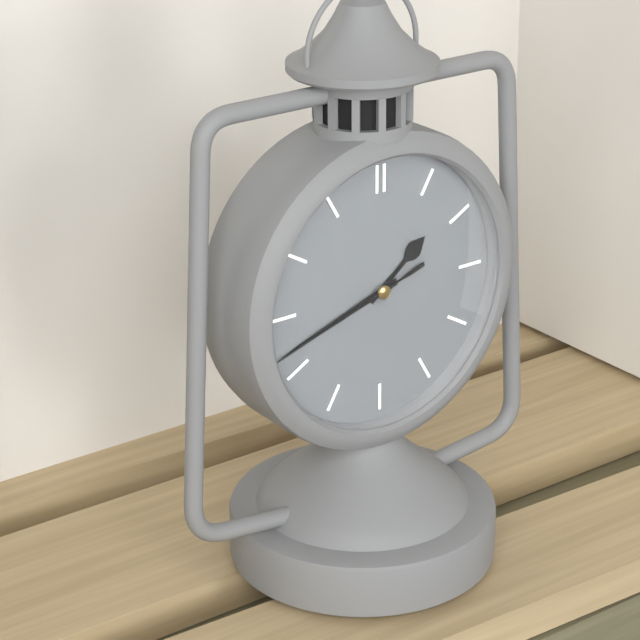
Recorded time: 1:42:42
